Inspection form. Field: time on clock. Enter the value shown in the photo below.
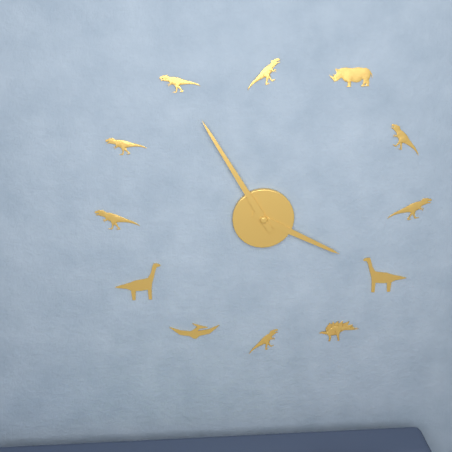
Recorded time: 3:55
